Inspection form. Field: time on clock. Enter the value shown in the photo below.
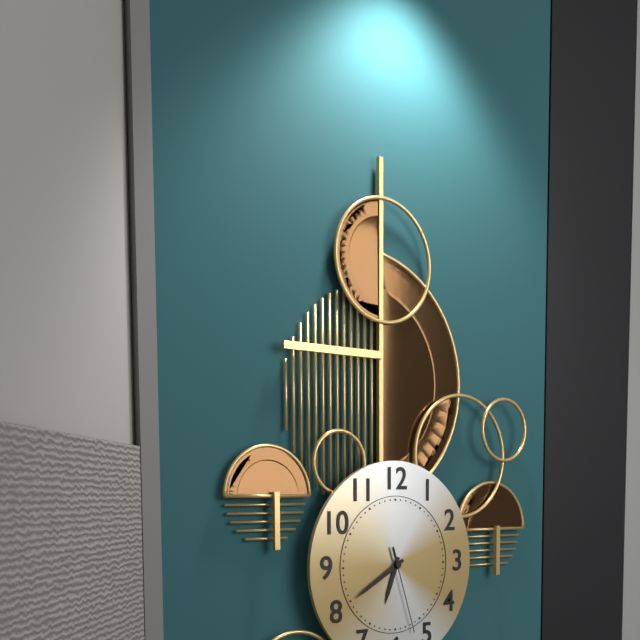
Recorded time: 6:40:27
